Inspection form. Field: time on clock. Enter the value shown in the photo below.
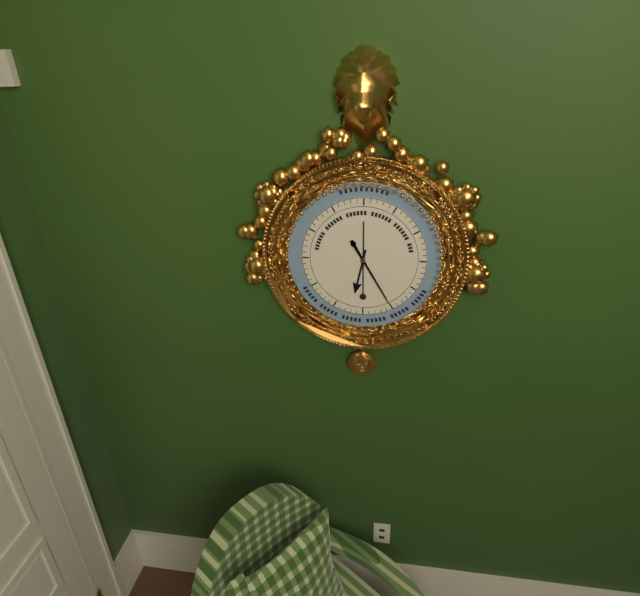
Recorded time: 6:25
